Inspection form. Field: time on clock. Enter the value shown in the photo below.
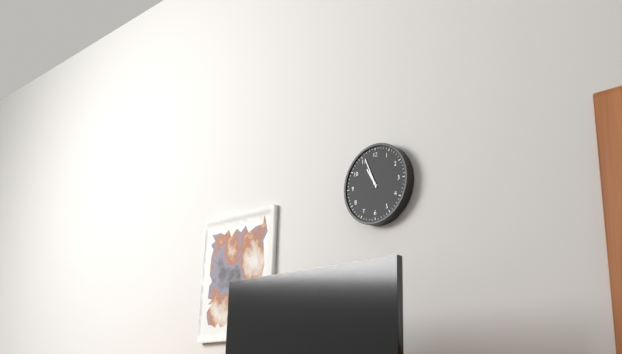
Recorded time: 10:56
